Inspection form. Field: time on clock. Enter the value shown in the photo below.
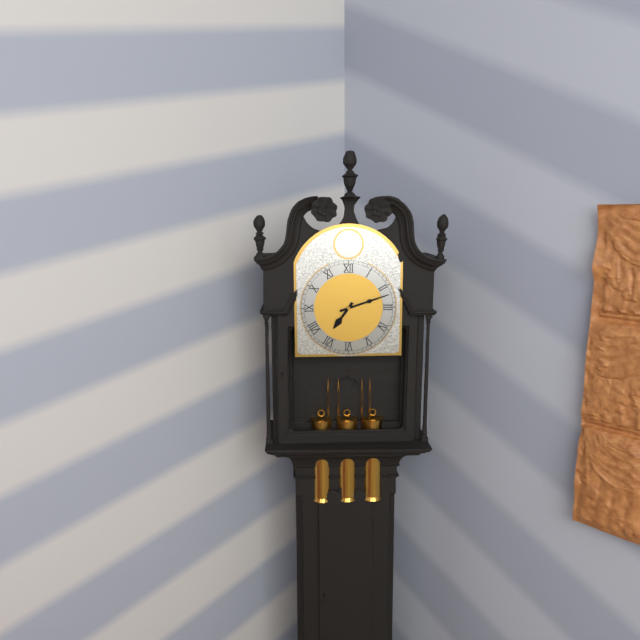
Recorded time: 7:12
